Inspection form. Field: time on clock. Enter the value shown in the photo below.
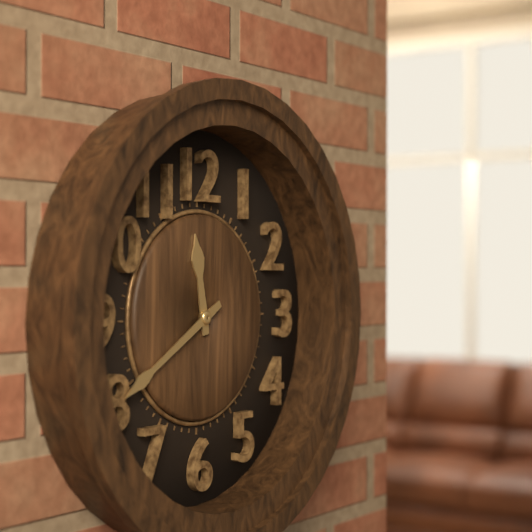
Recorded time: 11:40
